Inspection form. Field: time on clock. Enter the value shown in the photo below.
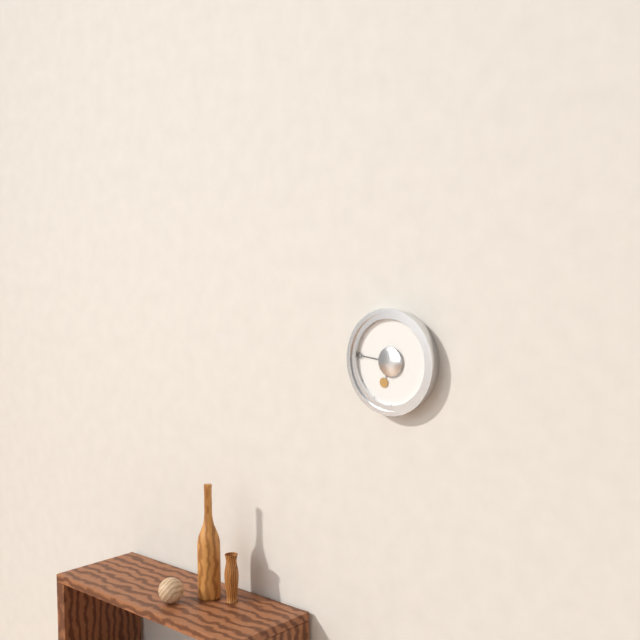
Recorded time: 6:46
